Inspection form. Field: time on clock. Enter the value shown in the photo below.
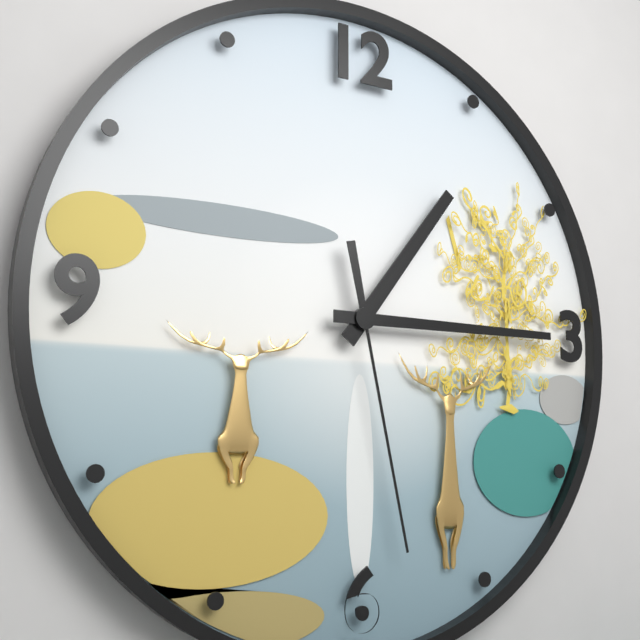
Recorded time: 1:15:28
